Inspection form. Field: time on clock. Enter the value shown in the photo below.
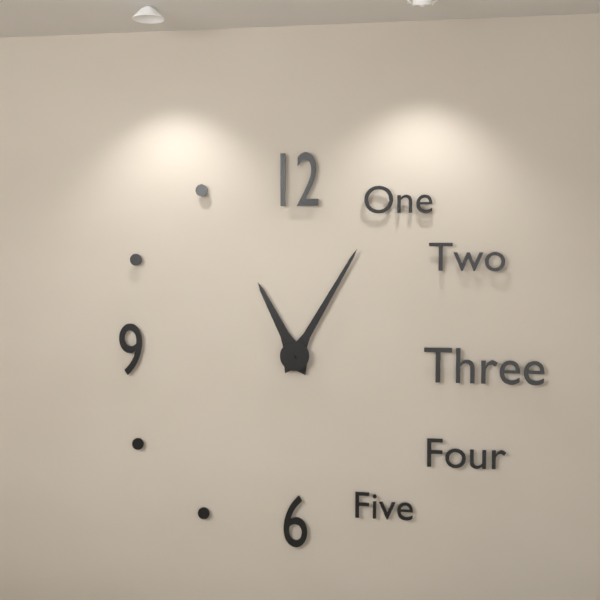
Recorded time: 11:05
